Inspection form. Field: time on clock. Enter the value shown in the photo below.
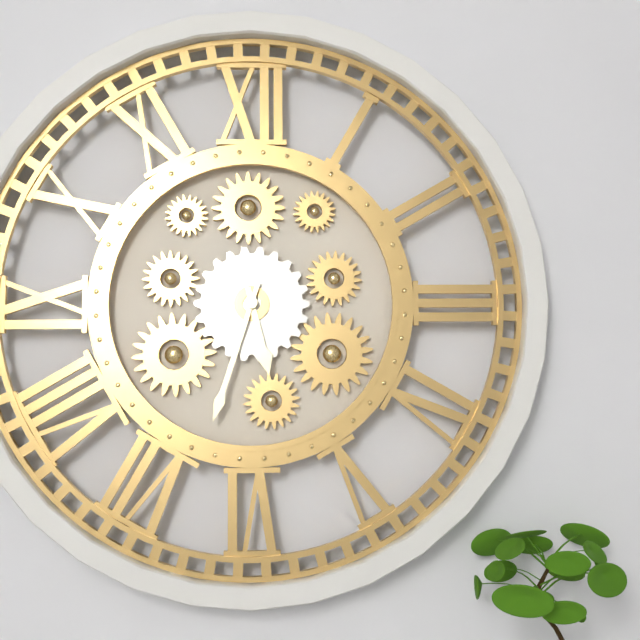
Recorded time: 5:33
